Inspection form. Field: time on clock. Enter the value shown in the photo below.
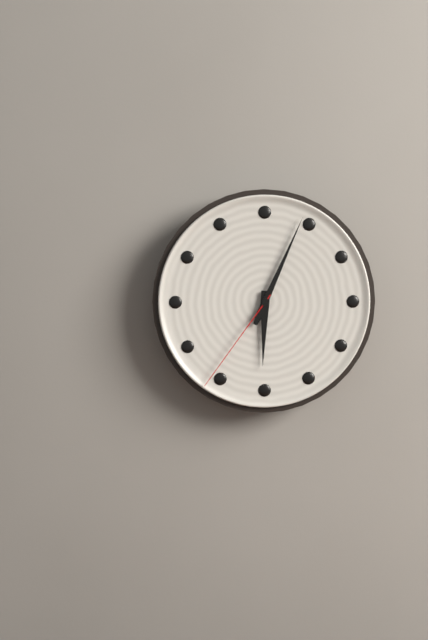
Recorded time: 6:04:36
